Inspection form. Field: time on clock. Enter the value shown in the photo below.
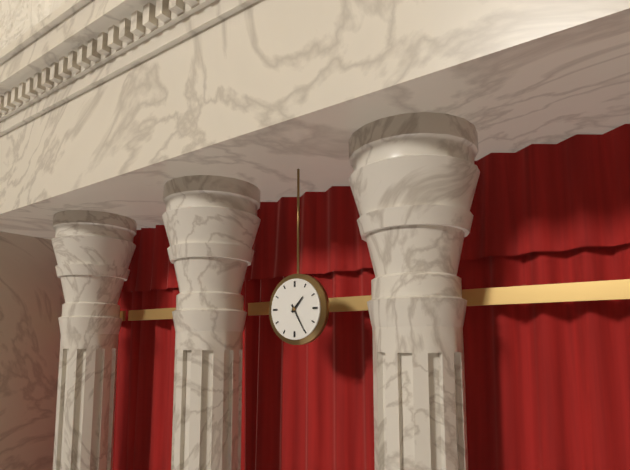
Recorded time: 1:25
